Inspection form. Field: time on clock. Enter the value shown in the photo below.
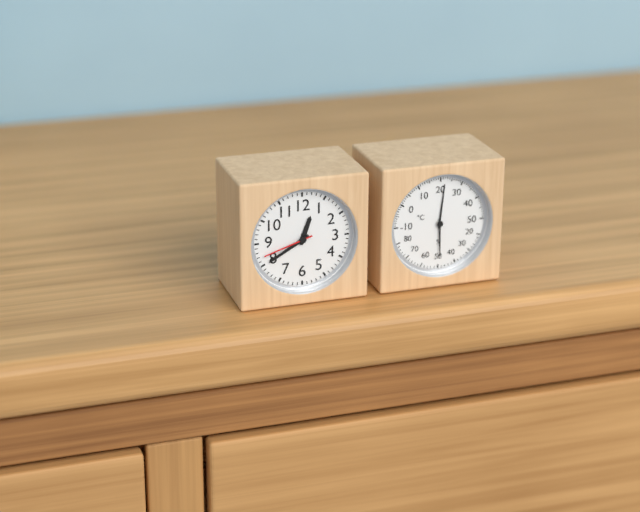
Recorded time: 12:40:42
